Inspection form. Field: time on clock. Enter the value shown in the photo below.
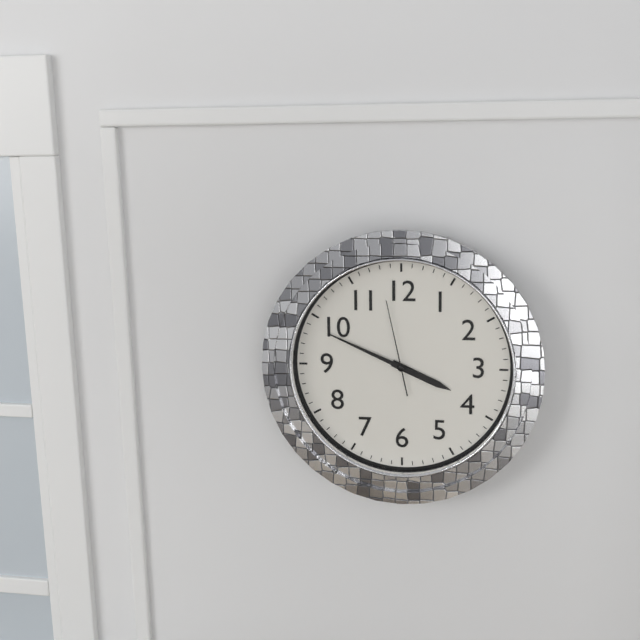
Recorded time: 3:49:58
